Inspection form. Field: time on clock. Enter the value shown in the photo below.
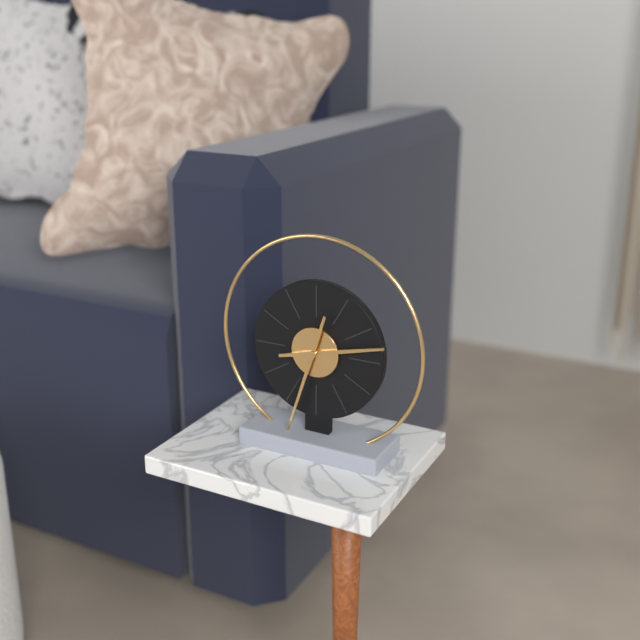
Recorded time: 2:33
